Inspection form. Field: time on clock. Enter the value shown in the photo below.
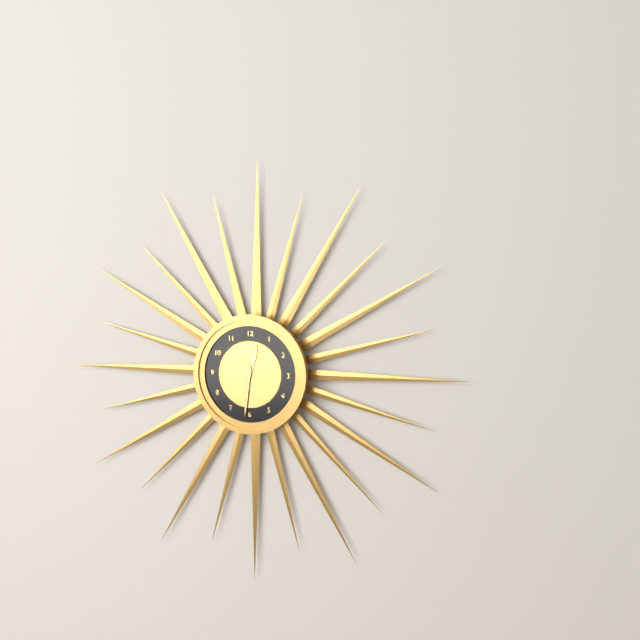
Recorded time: 12:31
